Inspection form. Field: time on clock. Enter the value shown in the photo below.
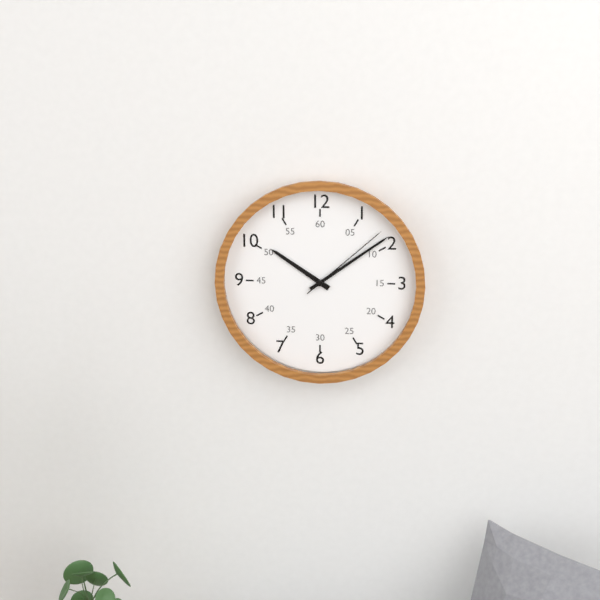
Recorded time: 10:09:08
